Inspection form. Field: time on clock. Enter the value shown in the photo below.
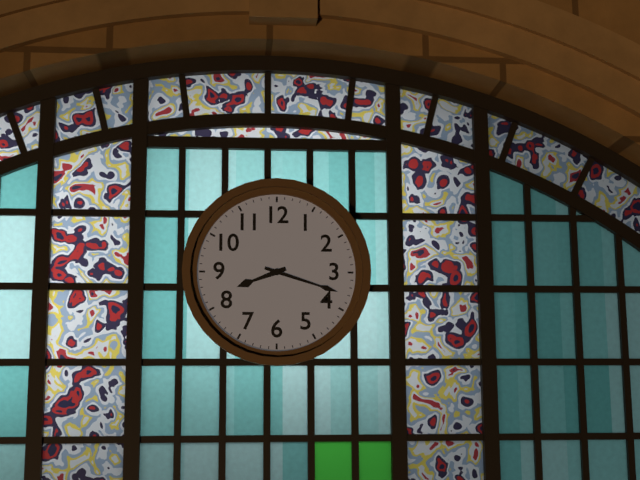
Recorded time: 8:18
